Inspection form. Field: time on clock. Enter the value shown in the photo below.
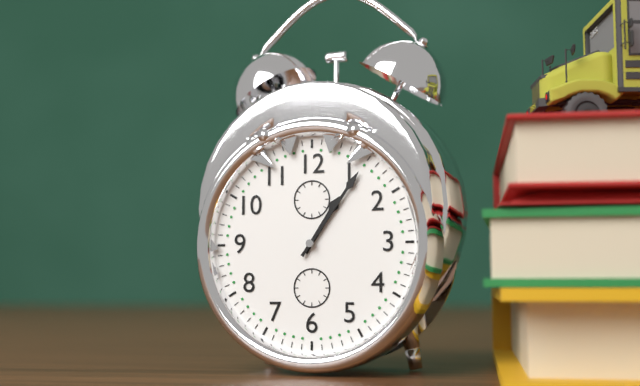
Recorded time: 1:06
